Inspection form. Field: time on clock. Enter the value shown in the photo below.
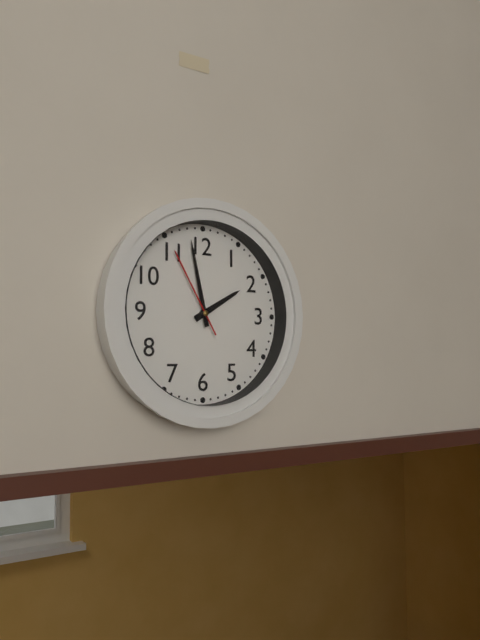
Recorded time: 1:58:55
